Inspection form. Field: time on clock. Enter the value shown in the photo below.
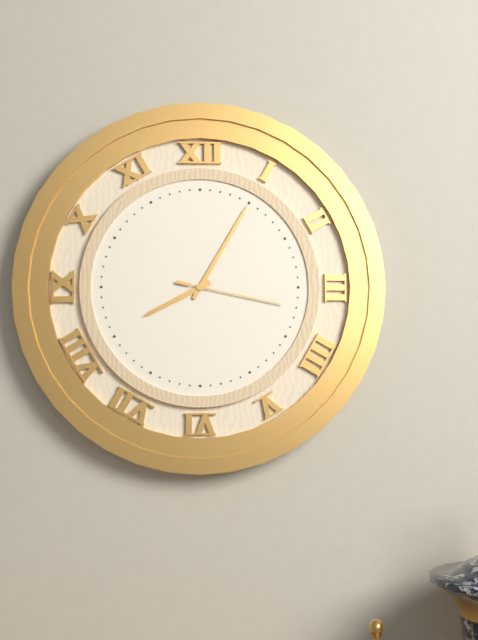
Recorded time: 8:05:17
